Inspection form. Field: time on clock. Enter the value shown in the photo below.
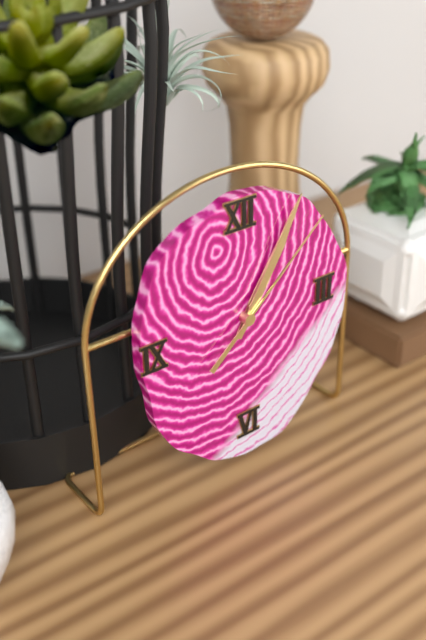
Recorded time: 1:05:08
